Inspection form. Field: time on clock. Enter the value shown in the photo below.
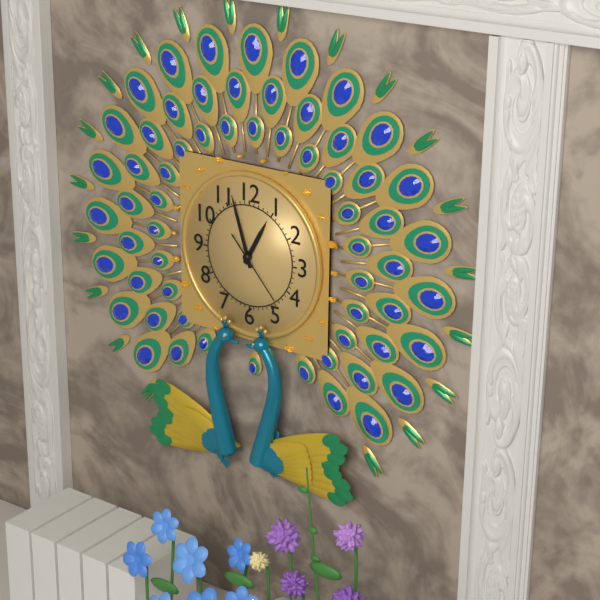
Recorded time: 12:57:23
